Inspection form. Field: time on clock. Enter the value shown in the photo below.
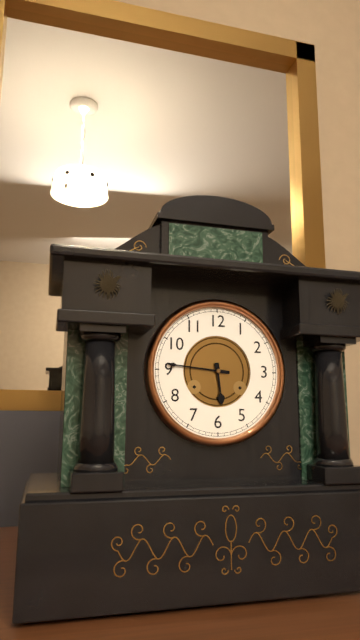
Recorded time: 5:46
